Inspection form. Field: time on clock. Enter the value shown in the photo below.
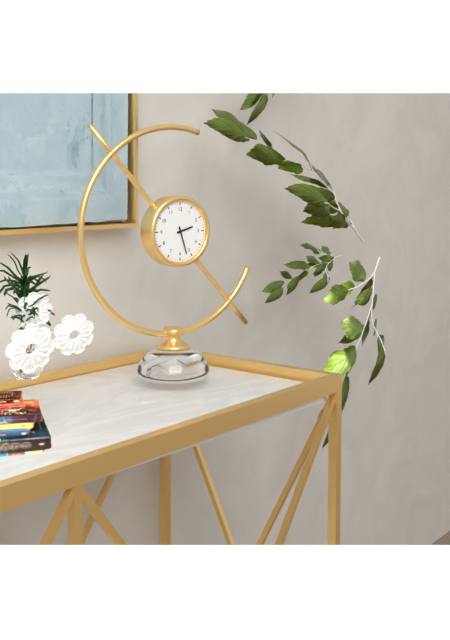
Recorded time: 2:27
